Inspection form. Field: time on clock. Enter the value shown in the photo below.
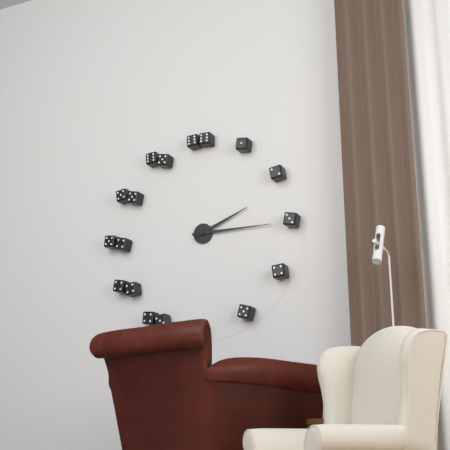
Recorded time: 2:15
